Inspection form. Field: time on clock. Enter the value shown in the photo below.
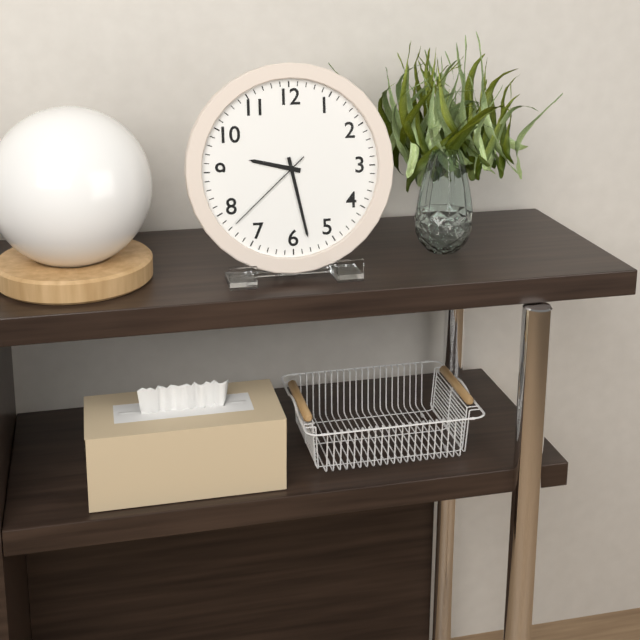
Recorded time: 9:28:38
